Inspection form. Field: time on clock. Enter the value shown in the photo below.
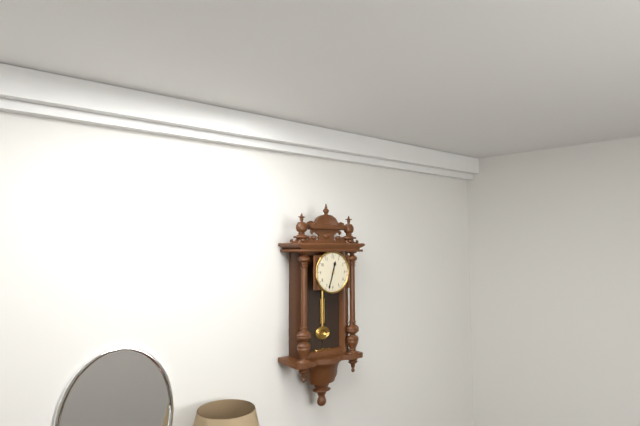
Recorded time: 12:33
